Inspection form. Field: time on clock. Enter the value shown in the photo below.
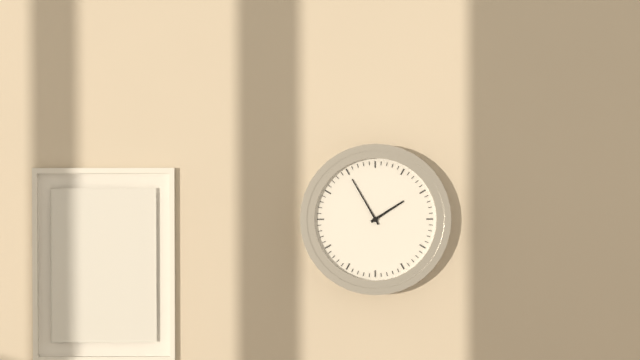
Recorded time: 1:55
